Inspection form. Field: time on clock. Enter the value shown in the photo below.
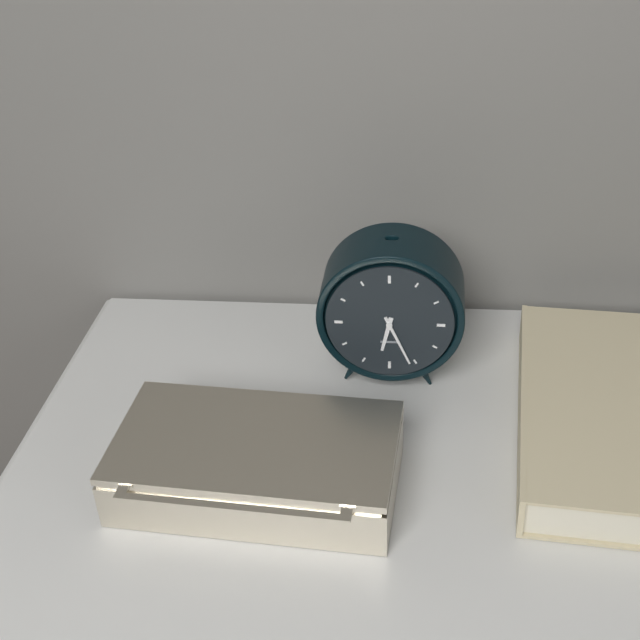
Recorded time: 6:26
